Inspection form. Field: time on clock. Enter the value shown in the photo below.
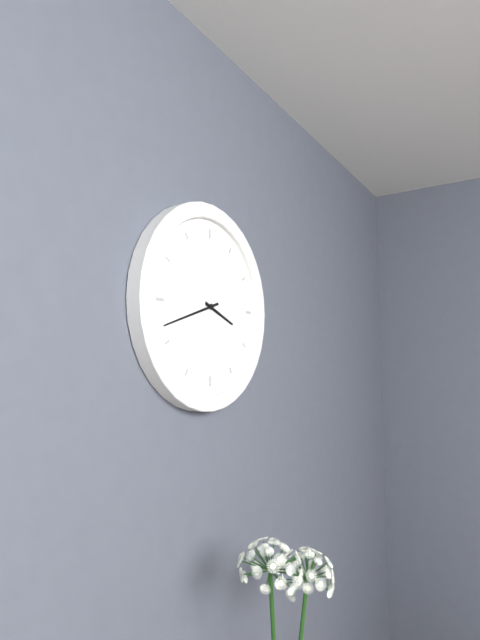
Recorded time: 3:42
